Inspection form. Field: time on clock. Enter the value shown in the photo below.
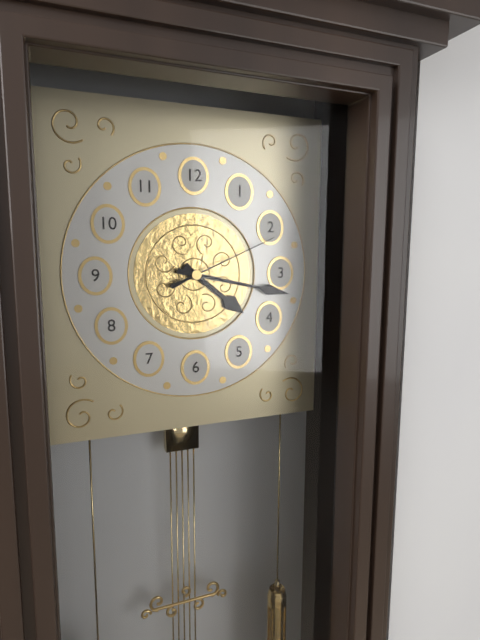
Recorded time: 4:17:11
